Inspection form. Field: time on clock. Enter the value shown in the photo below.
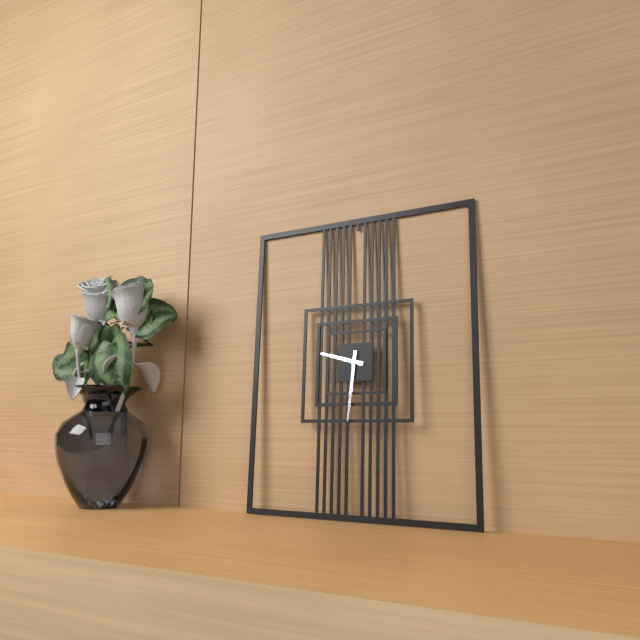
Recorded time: 9:31
